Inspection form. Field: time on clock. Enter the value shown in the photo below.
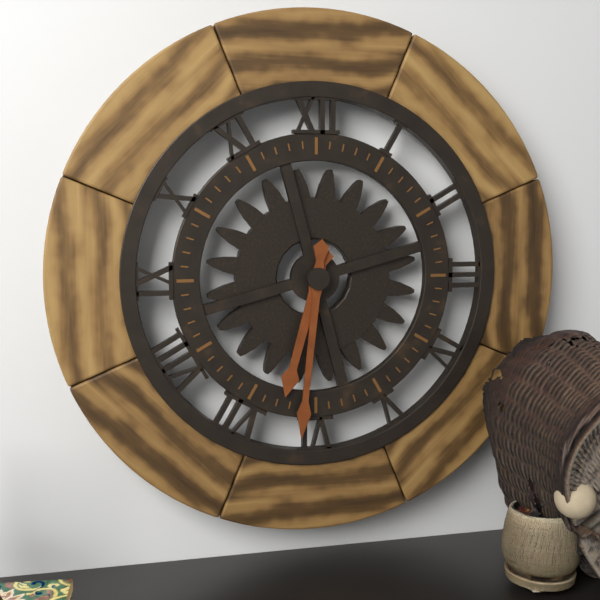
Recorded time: 6:31
